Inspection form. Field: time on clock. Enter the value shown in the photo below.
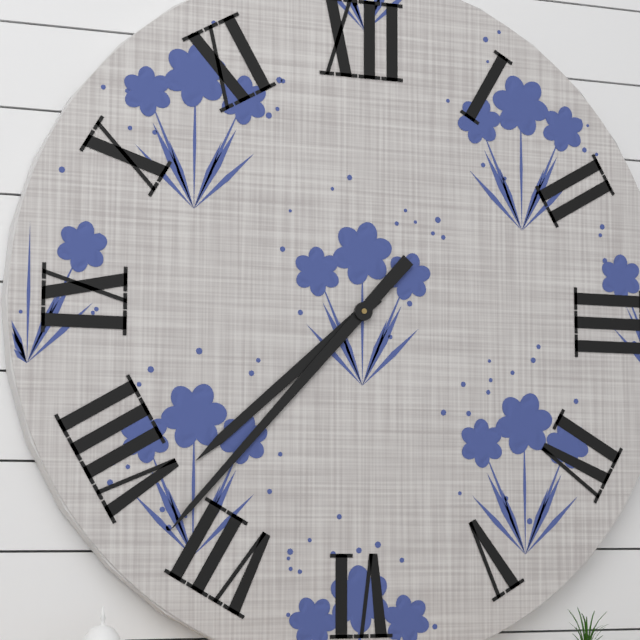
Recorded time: 7:37
